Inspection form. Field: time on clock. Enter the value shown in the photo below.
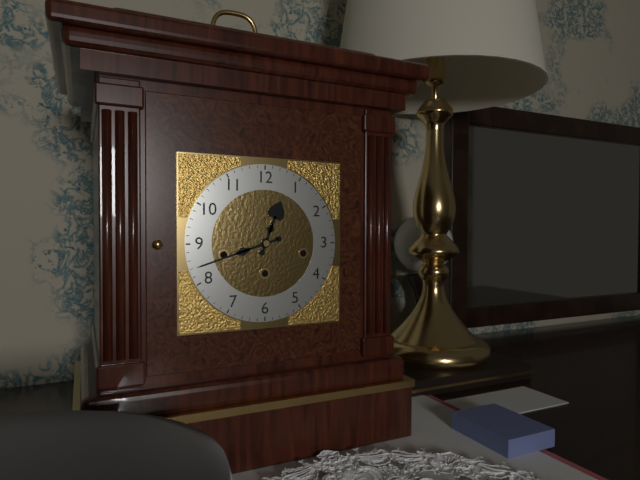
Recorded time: 12:42
